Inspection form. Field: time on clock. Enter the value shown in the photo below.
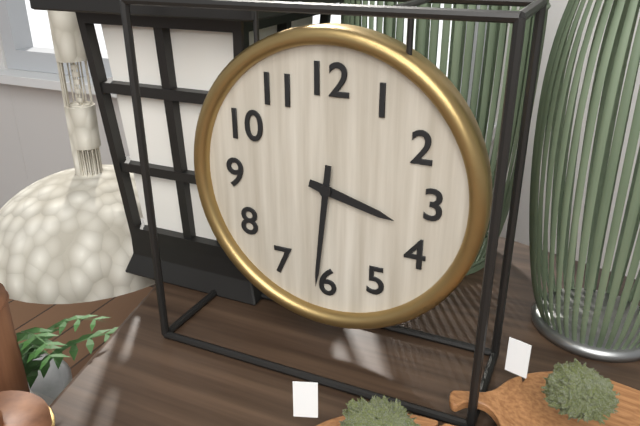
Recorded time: 3:31
